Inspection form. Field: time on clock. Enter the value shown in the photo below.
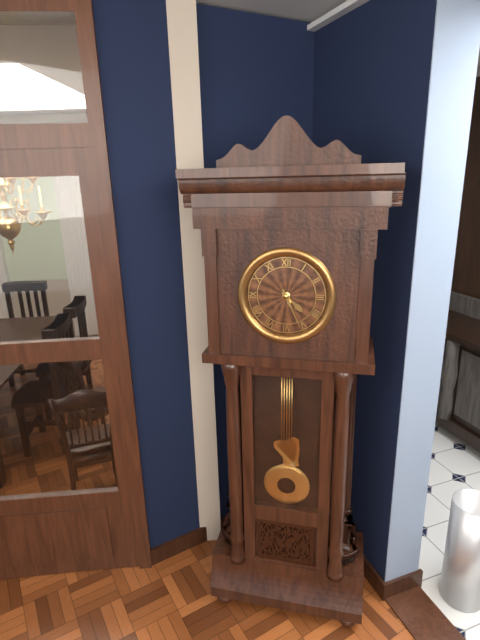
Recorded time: 4:26
